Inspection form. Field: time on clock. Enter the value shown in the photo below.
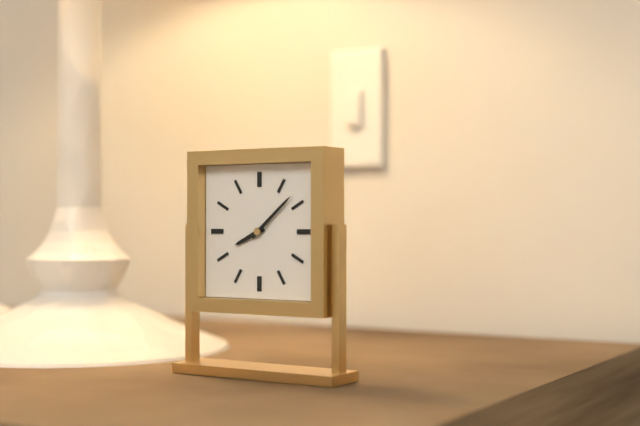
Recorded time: 8:08
